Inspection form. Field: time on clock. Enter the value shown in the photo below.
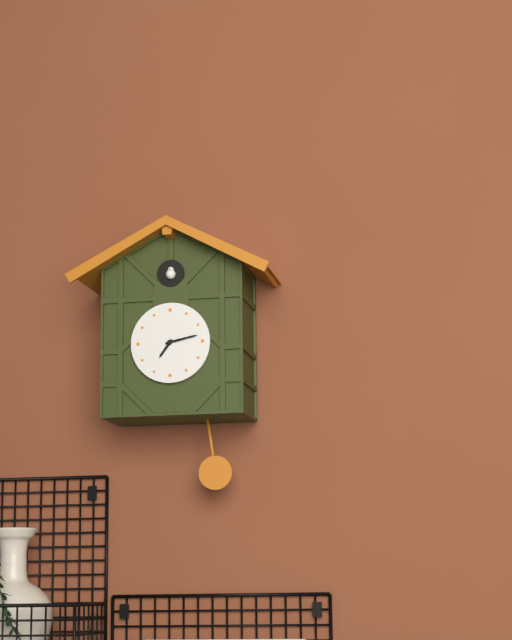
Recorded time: 7:13
